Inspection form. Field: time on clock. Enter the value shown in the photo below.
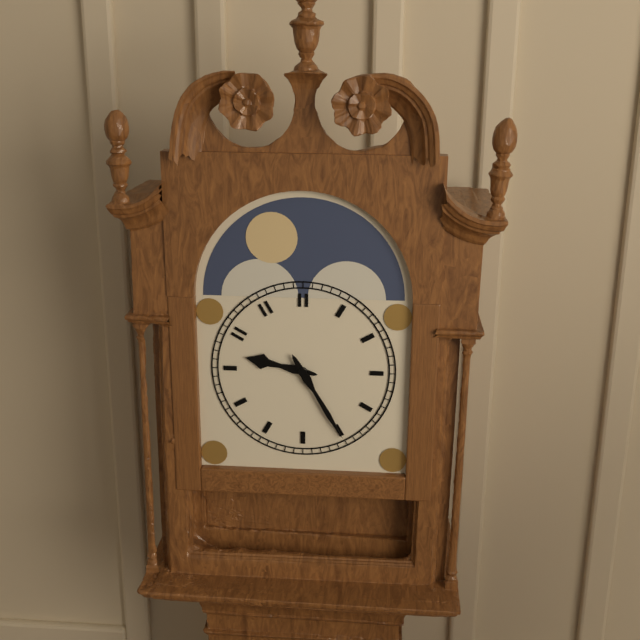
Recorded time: 9:25
